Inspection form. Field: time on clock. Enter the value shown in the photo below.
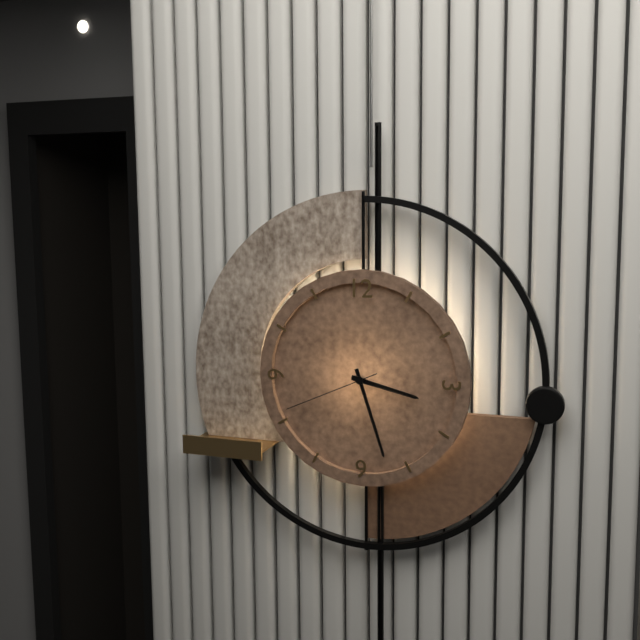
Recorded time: 3:27:41
